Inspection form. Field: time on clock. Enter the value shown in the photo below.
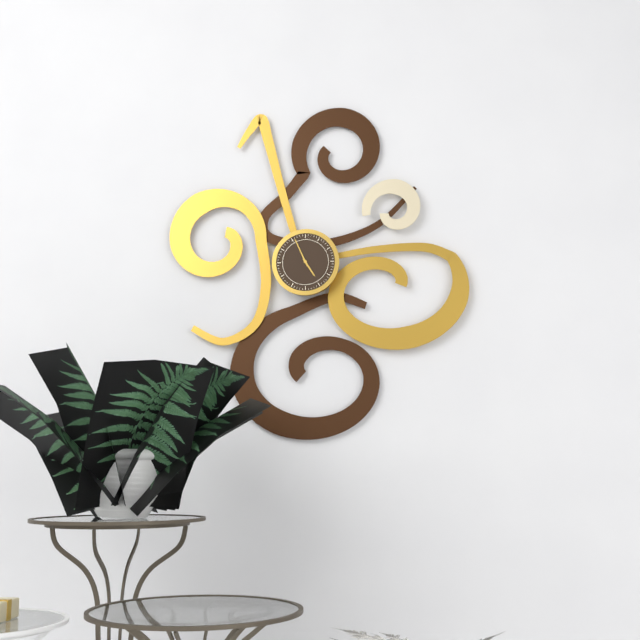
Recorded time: 4:56
